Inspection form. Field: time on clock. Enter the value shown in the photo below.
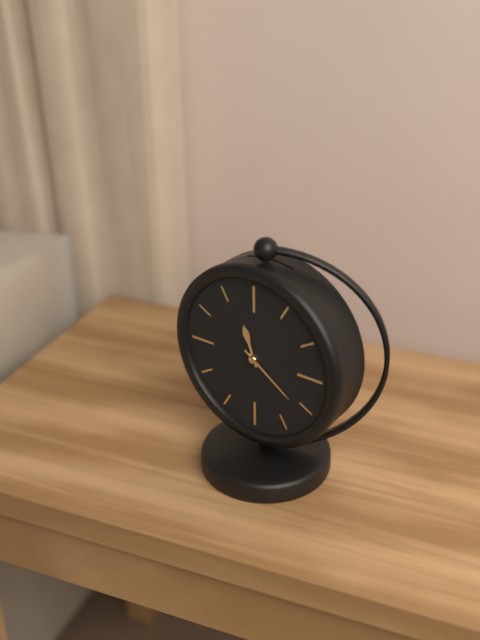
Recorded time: 11:21
